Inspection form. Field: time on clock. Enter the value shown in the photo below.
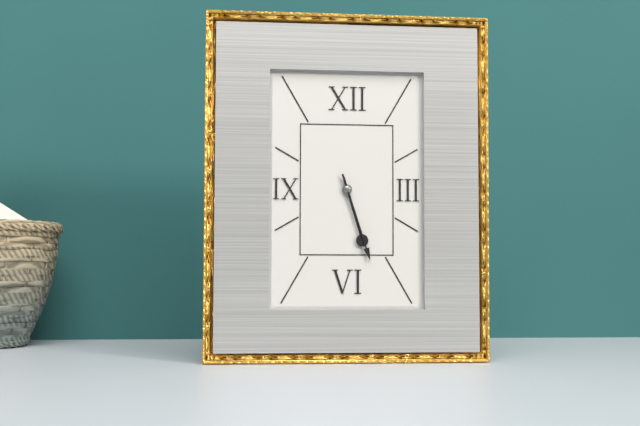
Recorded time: 5:27
